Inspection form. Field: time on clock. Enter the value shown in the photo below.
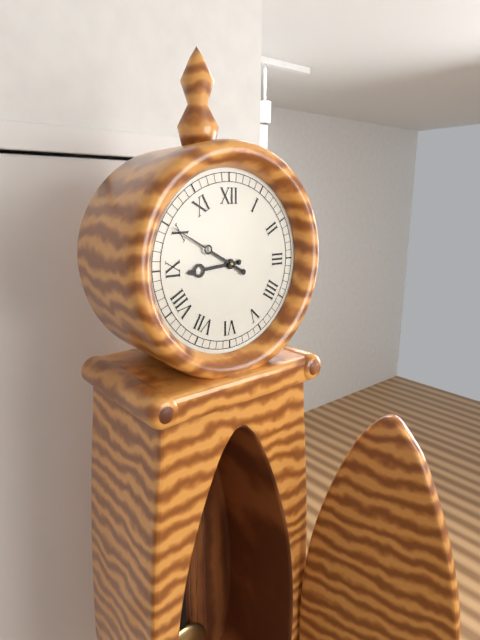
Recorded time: 8:50
